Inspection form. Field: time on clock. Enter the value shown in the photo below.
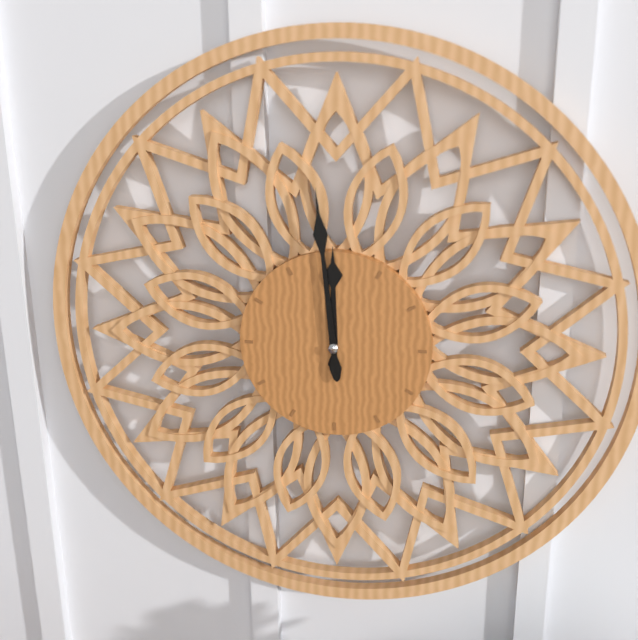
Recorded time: 11:59
